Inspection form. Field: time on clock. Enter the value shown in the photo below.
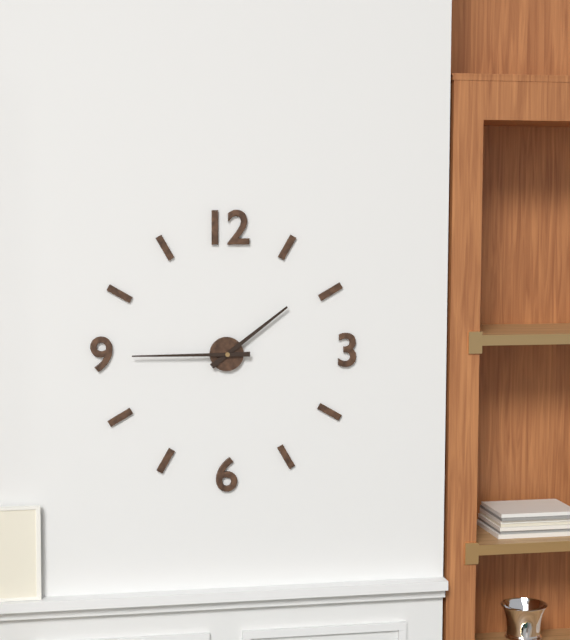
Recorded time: 1:45
